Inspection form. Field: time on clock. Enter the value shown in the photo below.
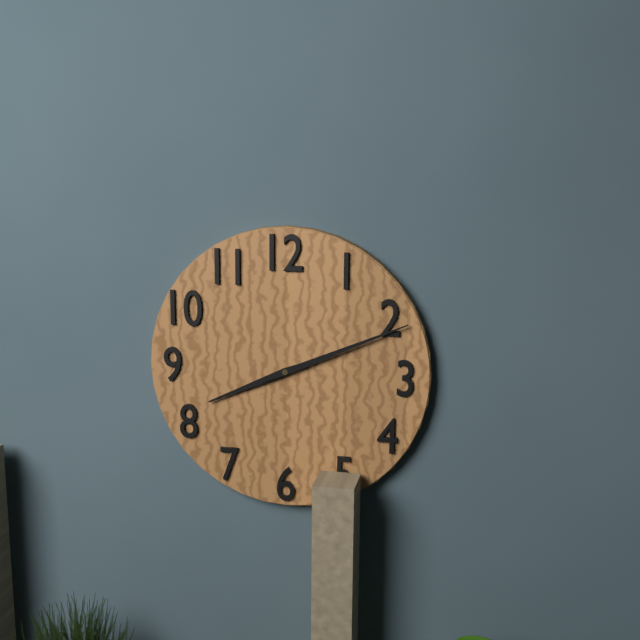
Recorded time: 8:11
